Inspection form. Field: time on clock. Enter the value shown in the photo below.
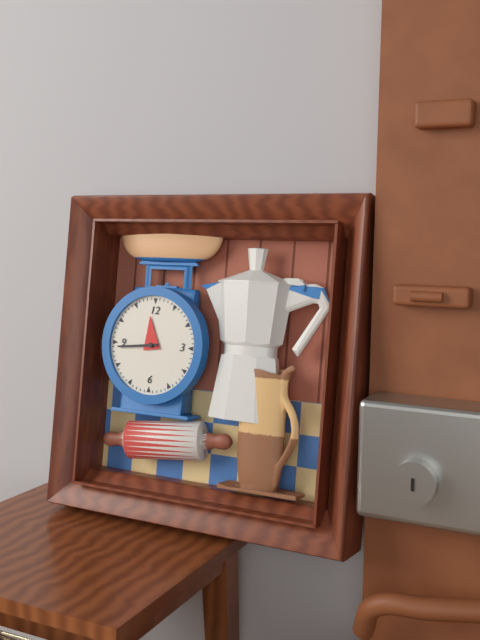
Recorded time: 11:44
